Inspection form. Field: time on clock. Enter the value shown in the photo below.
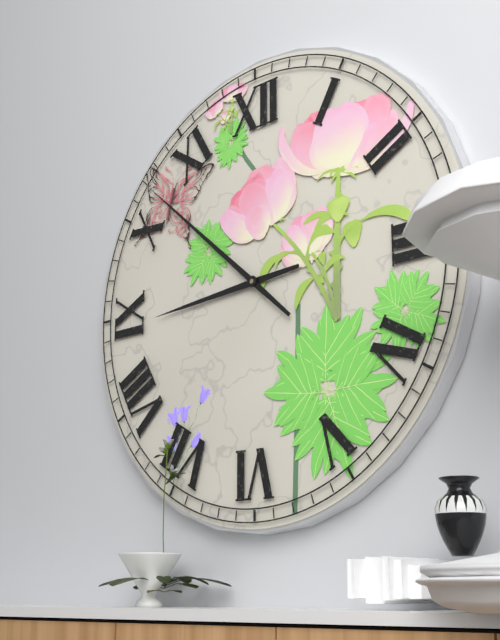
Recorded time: 8:52
